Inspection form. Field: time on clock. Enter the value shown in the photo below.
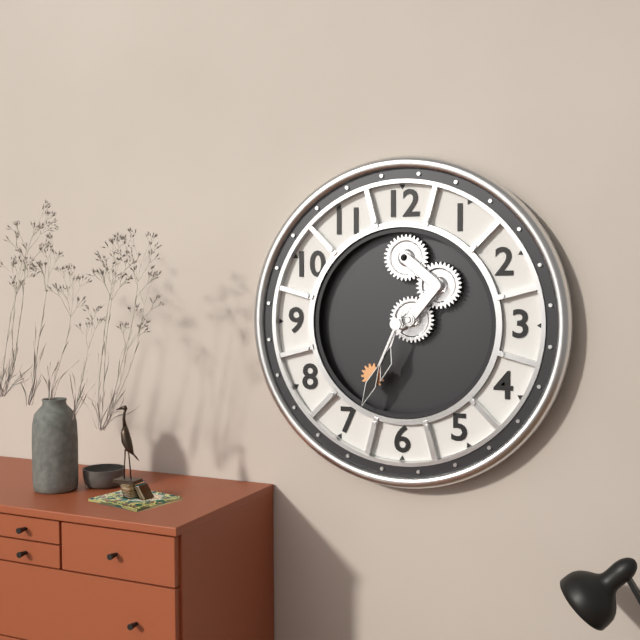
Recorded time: 6:34
